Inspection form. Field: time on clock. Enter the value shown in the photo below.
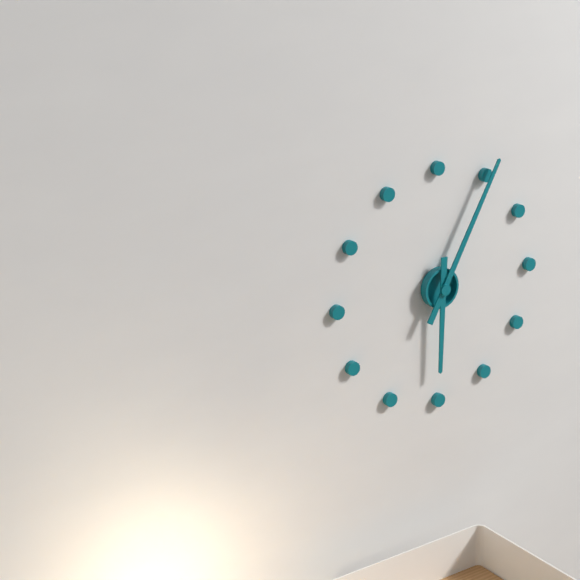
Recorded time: 6:05
